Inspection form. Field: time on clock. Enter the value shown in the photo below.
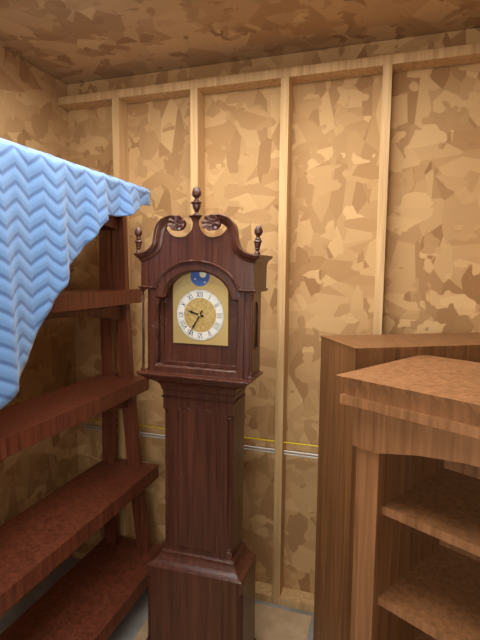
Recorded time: 9:35
